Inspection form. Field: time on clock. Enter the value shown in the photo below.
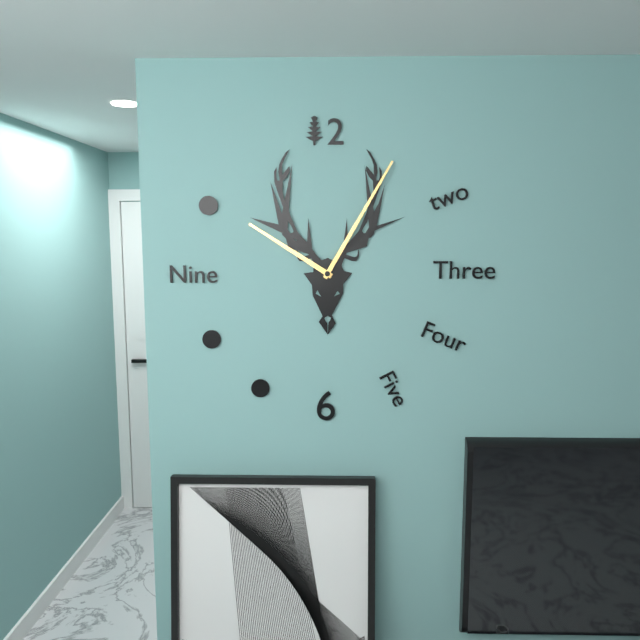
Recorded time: 10:05
